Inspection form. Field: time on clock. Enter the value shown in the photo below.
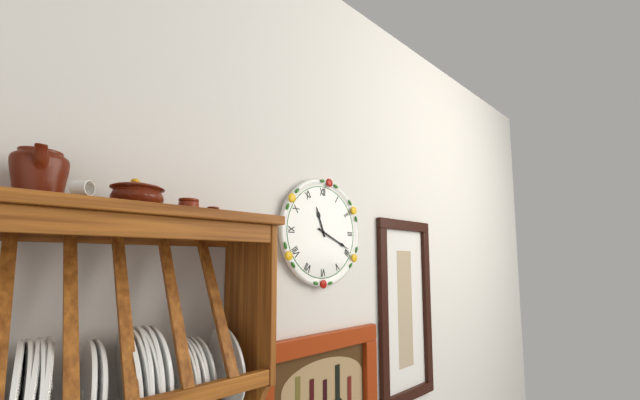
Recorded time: 11:19
